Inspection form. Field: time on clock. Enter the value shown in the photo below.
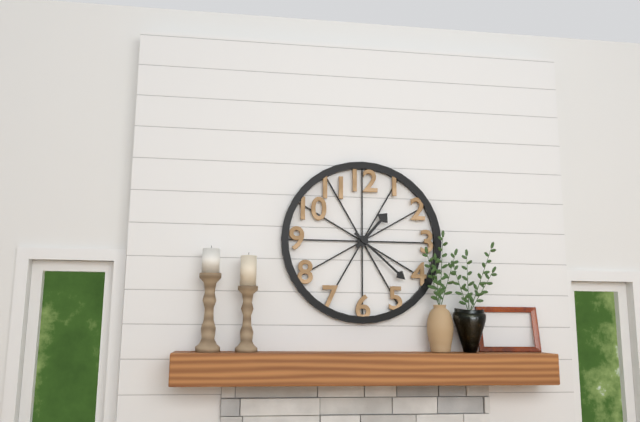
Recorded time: 1:22
